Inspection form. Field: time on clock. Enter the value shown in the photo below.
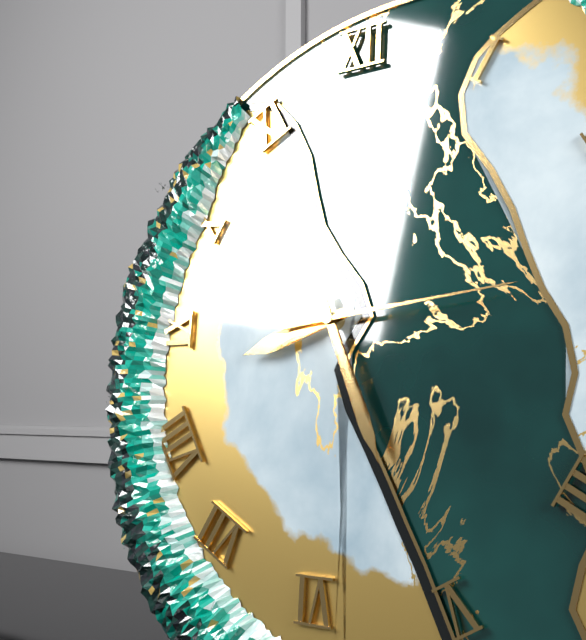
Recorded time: 8:26:14
